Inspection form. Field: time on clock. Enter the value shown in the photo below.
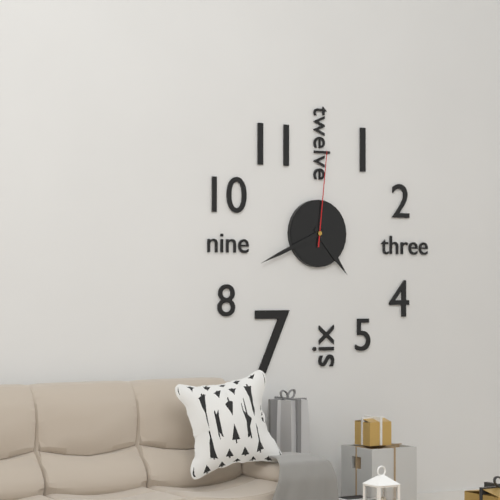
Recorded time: 4:41:01
